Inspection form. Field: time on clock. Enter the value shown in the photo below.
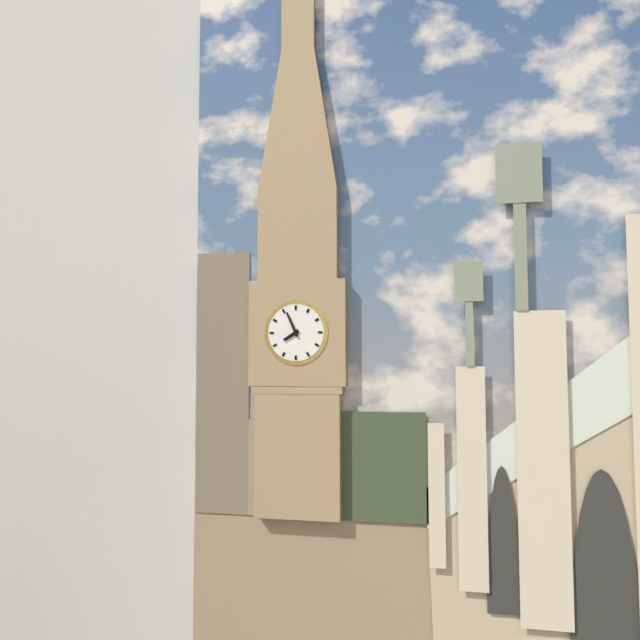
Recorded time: 7:56
